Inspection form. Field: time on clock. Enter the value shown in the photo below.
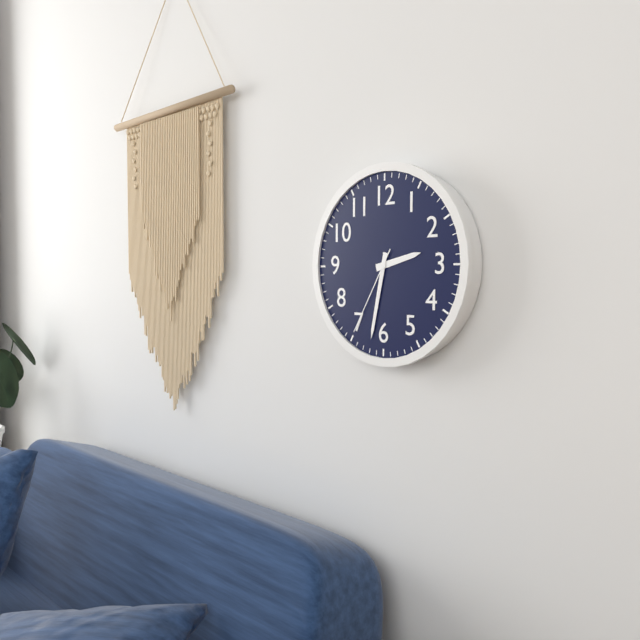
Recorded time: 2:32:35
